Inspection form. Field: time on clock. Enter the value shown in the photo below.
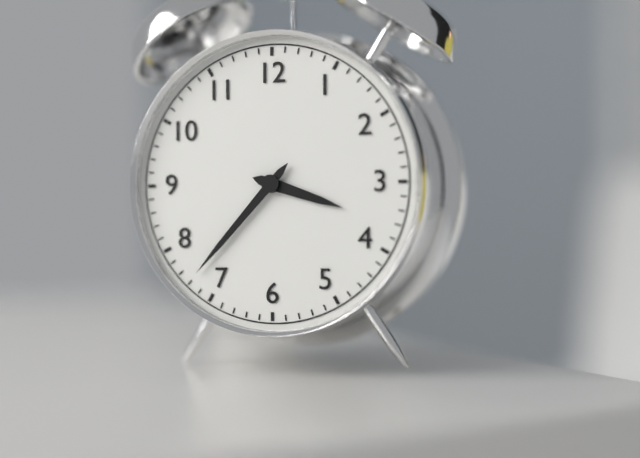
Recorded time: 3:37
